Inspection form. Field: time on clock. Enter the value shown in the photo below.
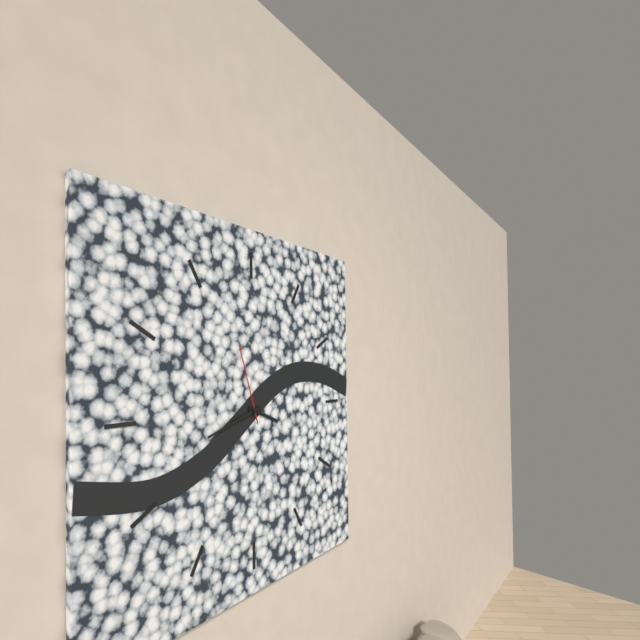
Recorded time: 3:42:57
